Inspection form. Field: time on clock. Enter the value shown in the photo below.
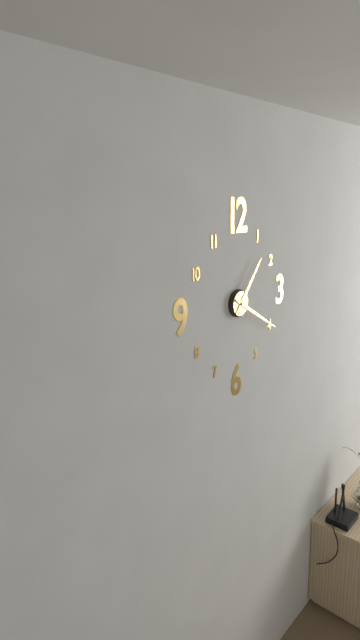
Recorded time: 1:20
